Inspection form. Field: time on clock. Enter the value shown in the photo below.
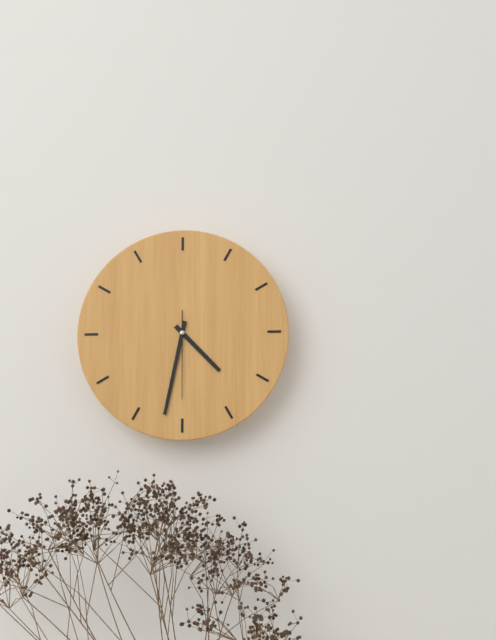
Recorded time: 4:32:30
